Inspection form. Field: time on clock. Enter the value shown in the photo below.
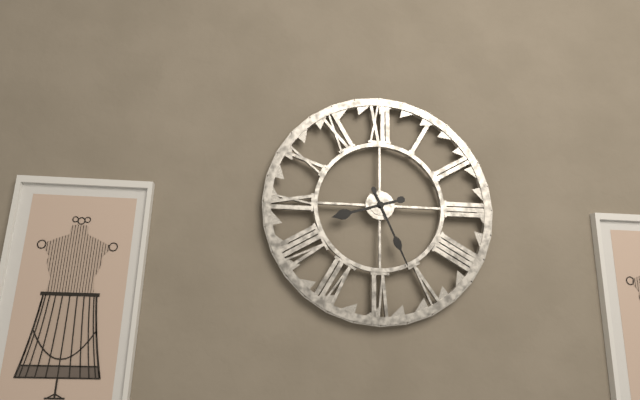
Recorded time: 8:26
